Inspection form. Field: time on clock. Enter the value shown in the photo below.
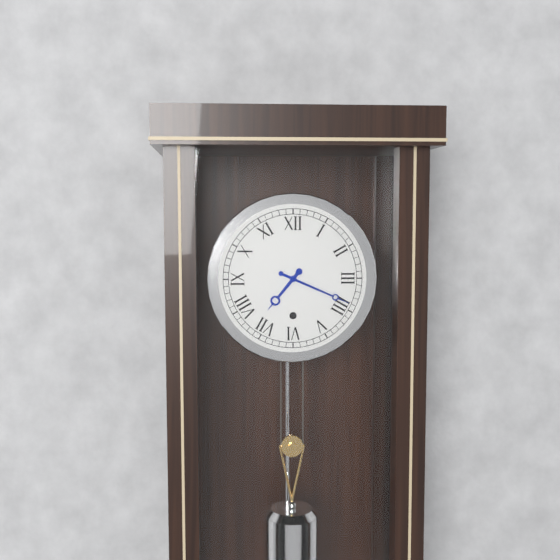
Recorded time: 7:19
